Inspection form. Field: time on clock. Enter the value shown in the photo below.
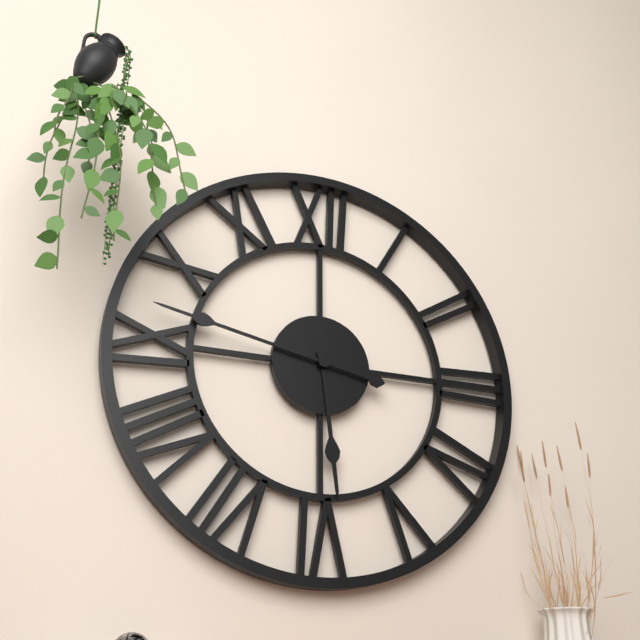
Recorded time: 5:47
